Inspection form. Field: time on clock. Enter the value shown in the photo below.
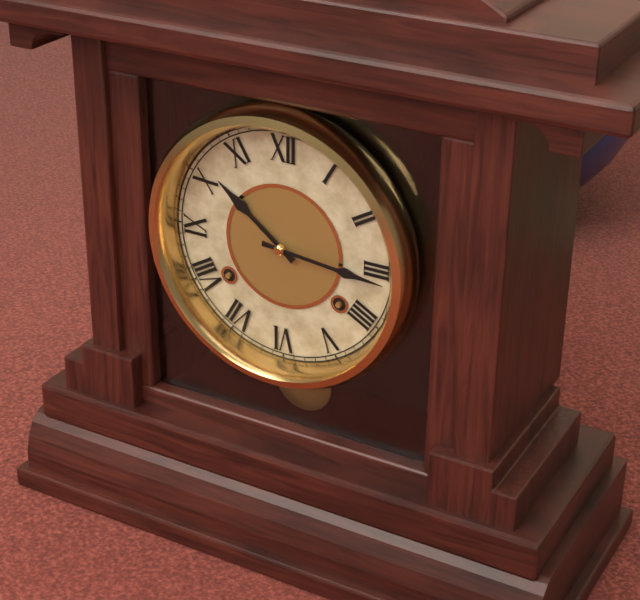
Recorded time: 10:16
